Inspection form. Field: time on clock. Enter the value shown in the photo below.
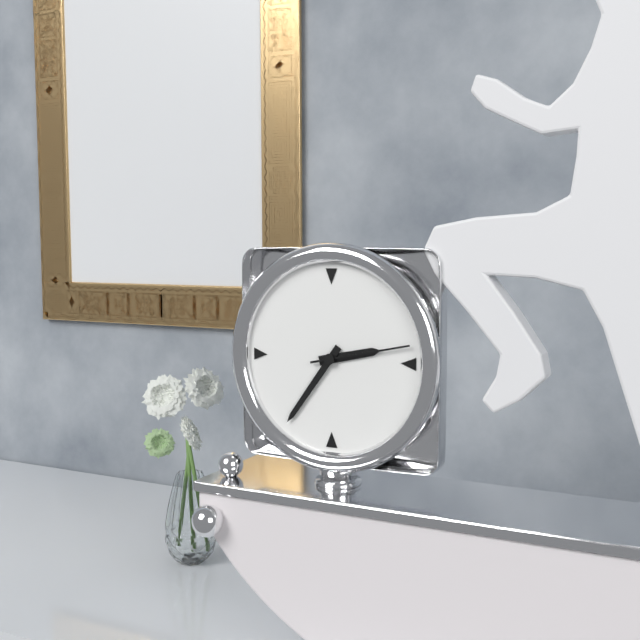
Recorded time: 2:36:13
